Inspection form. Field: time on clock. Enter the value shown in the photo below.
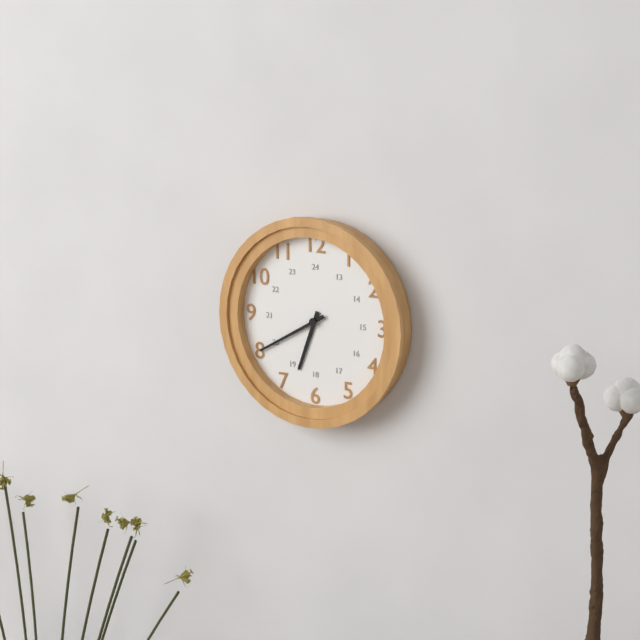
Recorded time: 6:40
